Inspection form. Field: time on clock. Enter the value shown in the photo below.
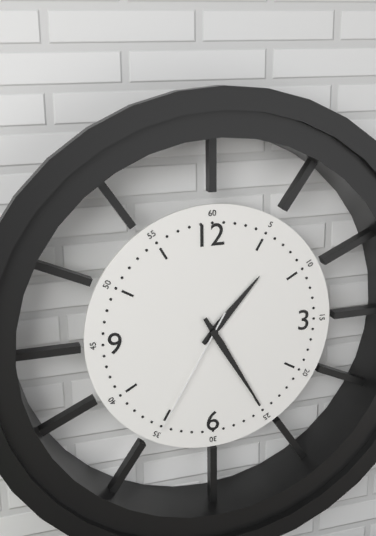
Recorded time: 1:25:35
